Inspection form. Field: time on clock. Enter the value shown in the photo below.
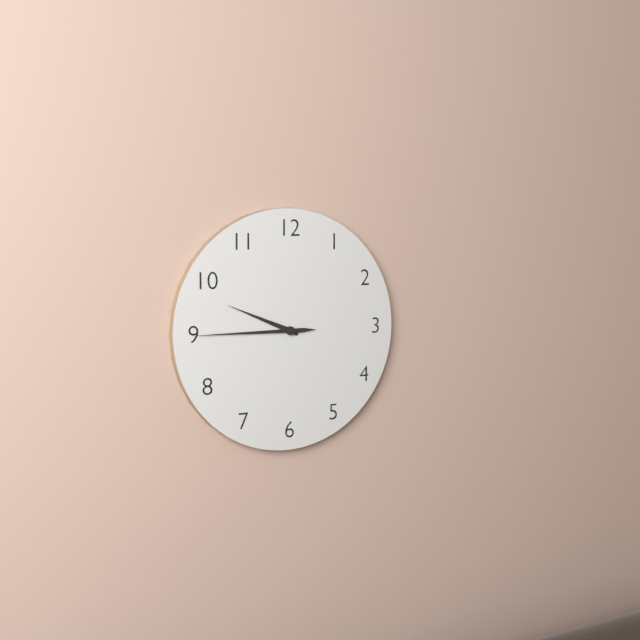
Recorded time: 9:45
